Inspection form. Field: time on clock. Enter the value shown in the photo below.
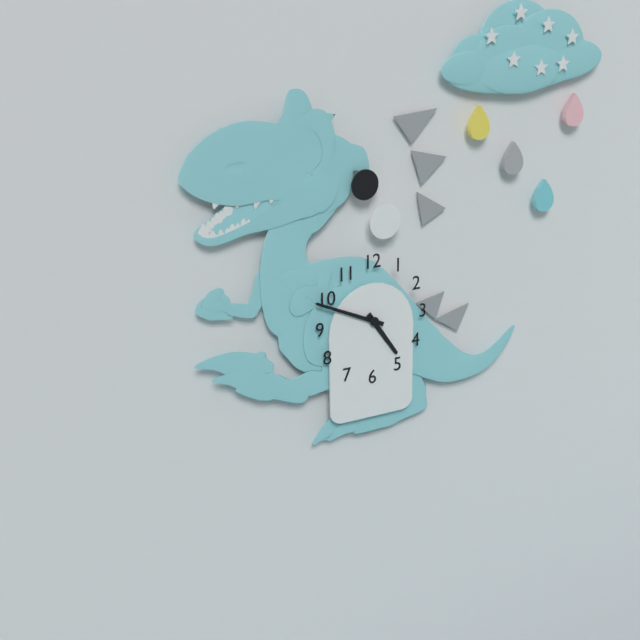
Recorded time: 4:49
